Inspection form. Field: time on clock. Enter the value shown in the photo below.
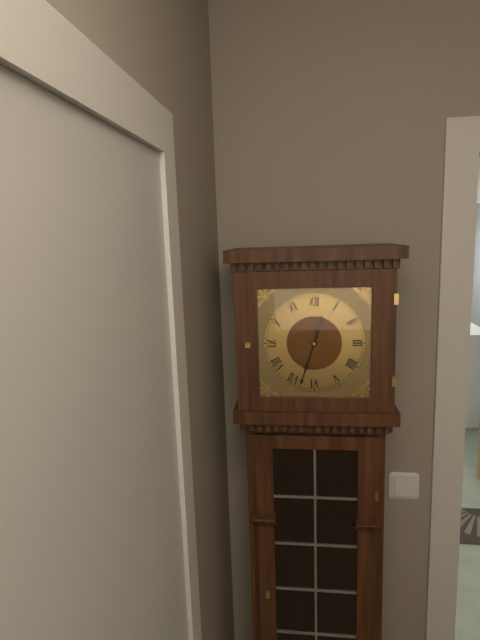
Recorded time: 12:33
